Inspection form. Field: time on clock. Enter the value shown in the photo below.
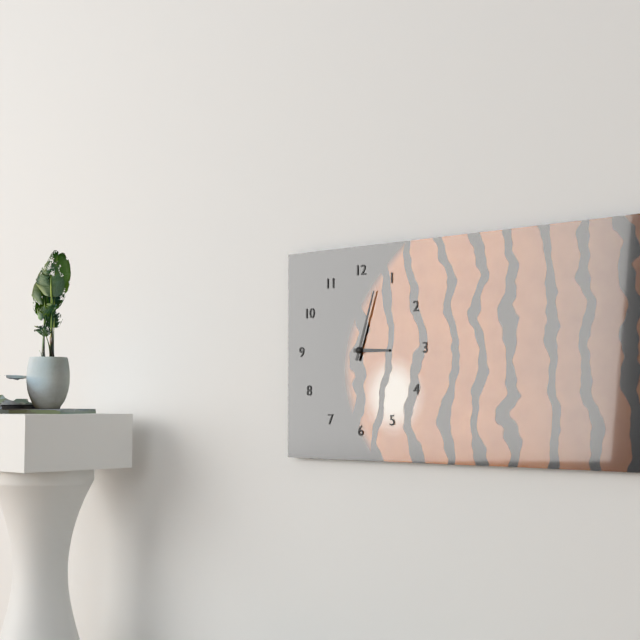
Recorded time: 3:03
